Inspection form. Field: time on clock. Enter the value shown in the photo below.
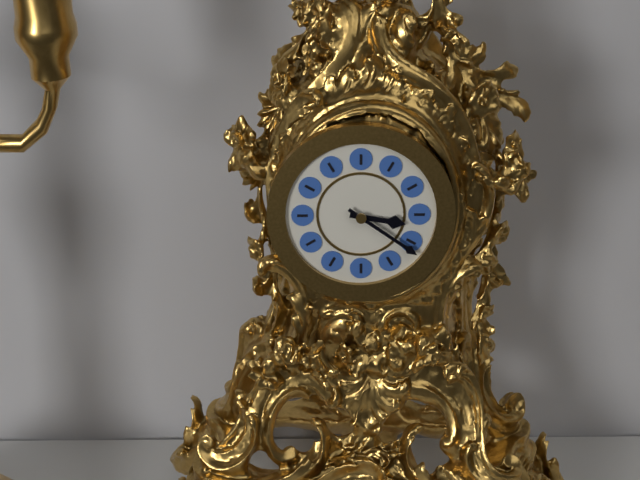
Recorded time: 3:21
